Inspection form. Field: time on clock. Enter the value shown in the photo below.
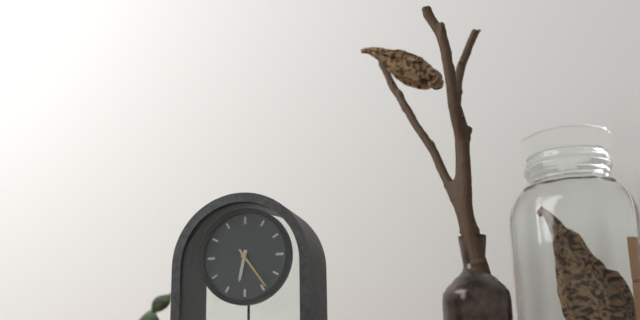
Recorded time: 6:24
